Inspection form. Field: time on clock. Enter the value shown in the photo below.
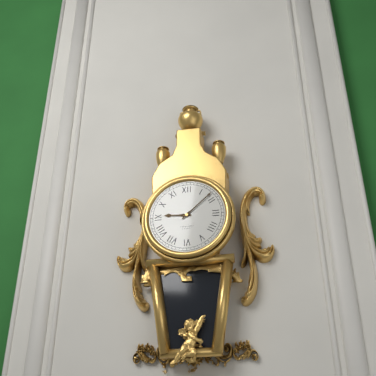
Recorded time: 9:08
